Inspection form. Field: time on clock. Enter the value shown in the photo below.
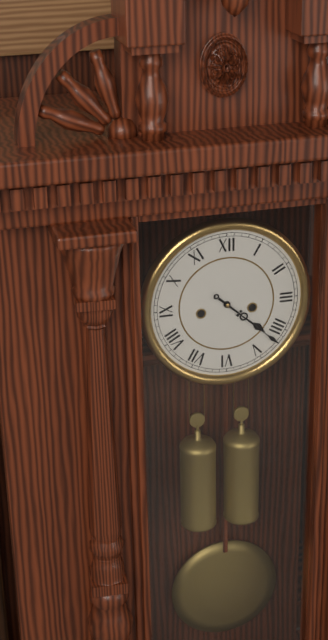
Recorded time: 4:22
